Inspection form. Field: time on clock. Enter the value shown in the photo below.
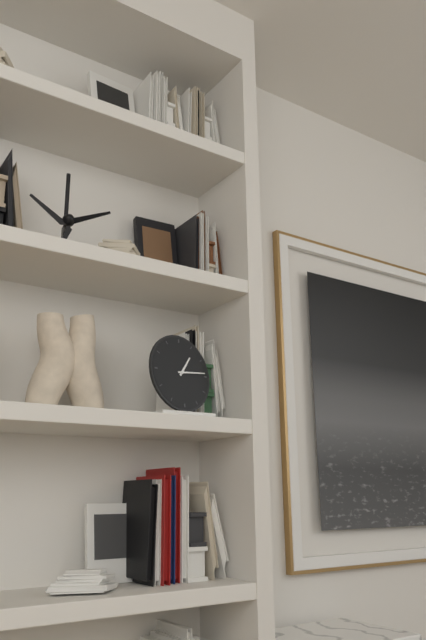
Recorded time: 1:14
